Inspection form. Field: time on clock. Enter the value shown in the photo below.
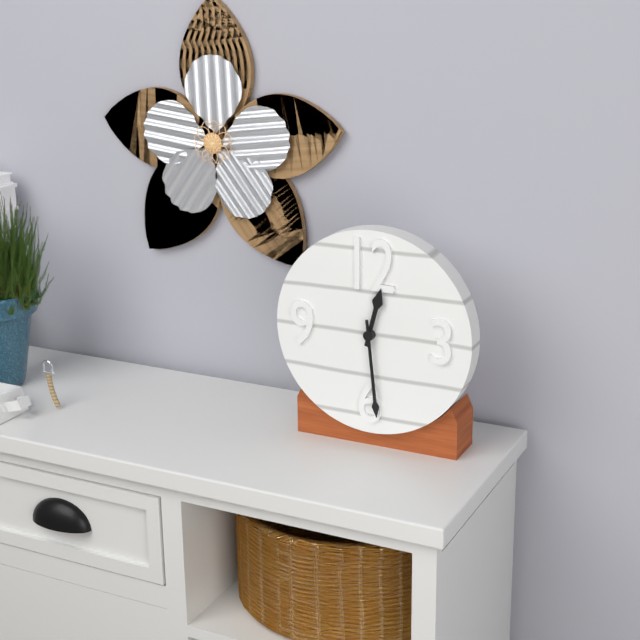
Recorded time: 12:29
